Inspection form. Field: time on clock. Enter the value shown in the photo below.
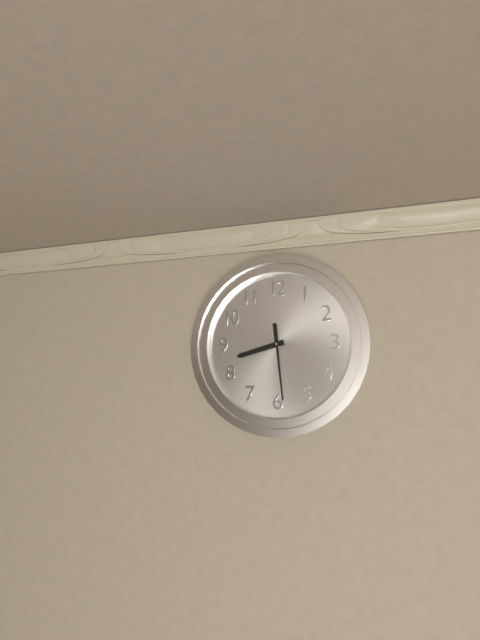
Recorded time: 8:29
